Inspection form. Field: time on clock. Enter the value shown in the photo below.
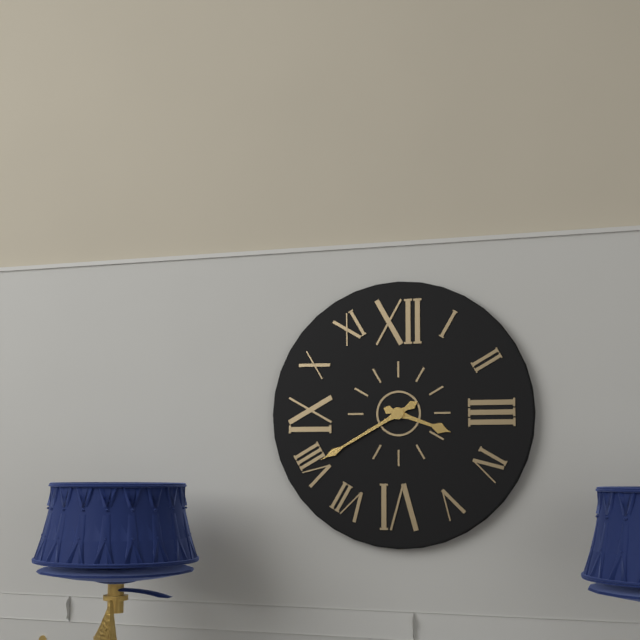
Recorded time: 3:40
